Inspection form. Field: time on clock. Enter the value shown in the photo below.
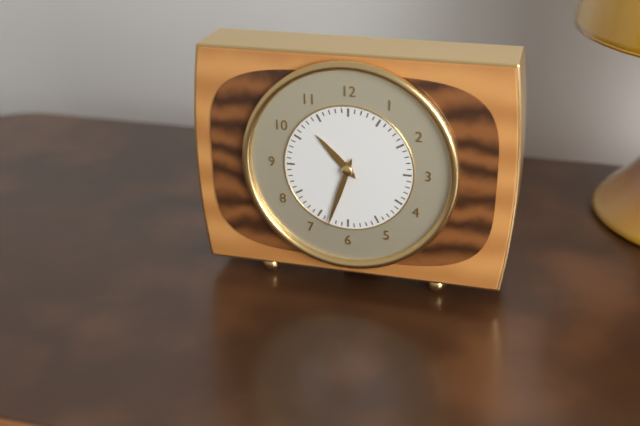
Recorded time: 10:33
